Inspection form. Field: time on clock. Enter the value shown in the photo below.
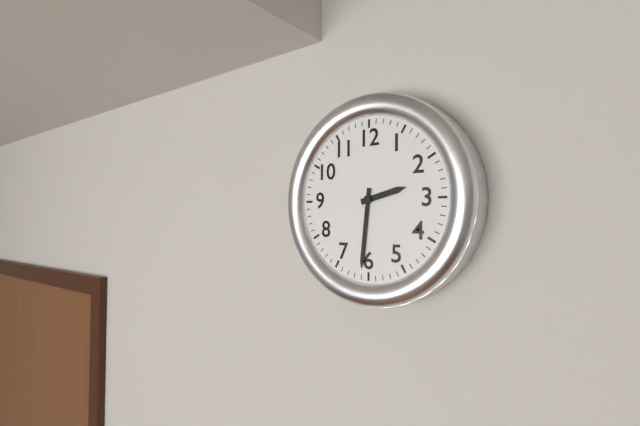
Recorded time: 2:31
